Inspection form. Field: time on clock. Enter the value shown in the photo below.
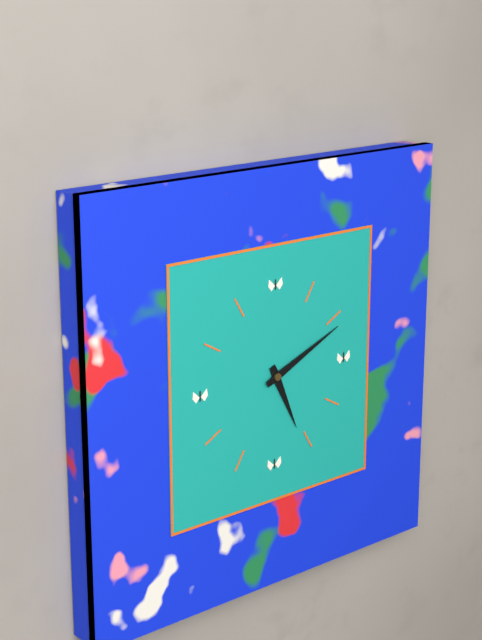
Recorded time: 5:11
